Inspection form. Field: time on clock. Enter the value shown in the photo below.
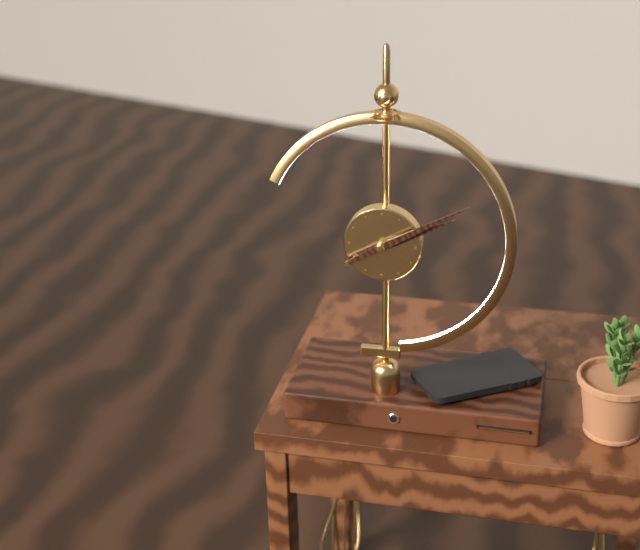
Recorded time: 2:10
